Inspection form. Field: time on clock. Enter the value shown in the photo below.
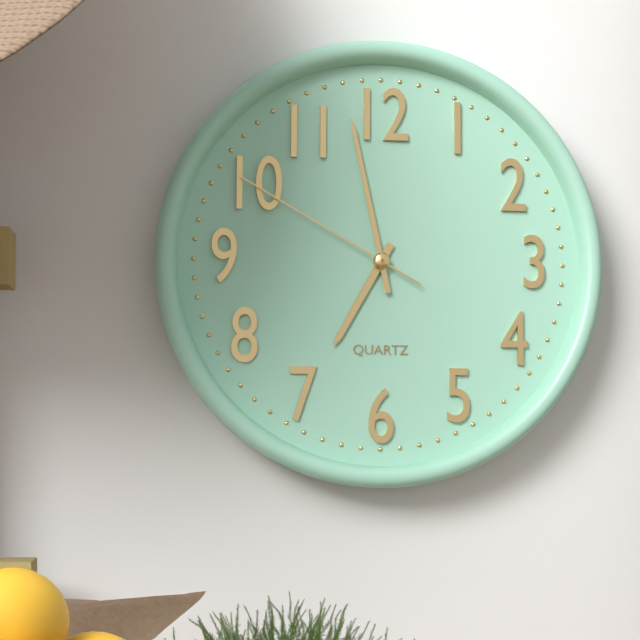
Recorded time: 6:58:50
